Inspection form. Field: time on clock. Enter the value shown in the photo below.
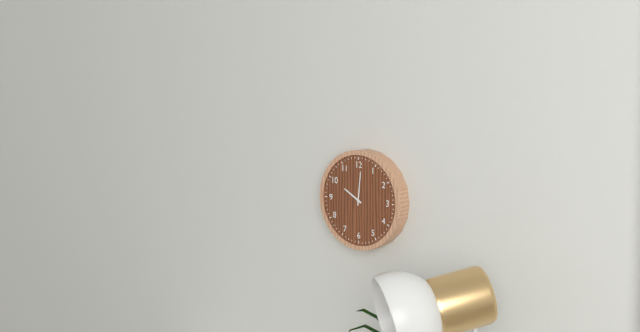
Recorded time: 10:01
